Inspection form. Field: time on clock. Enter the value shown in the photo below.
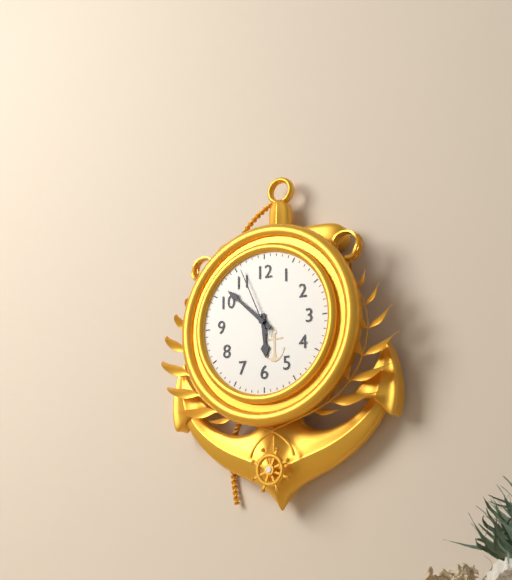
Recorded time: 5:52:56
